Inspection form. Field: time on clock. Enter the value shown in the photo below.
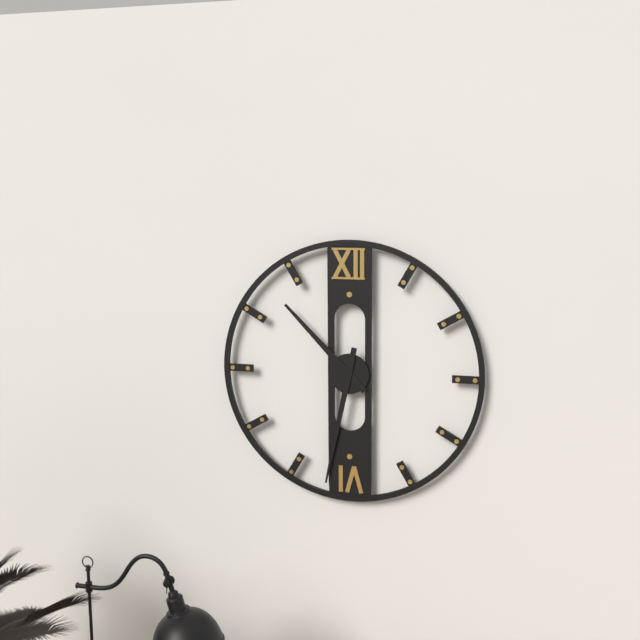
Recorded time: 10:32
